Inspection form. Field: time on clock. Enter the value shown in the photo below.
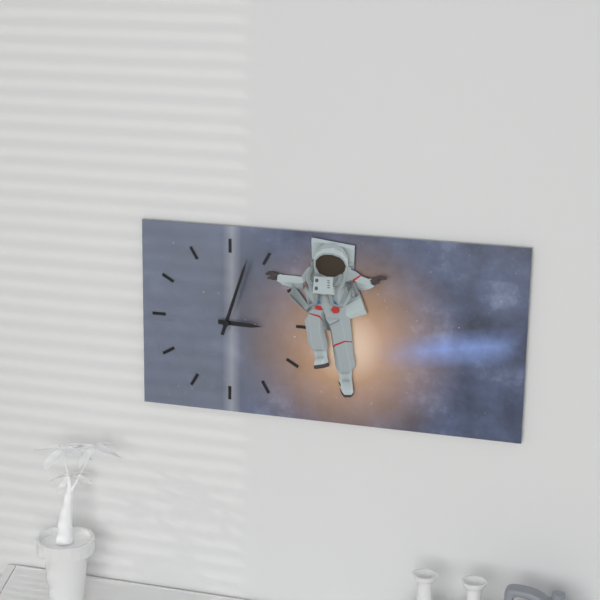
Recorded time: 3:03
